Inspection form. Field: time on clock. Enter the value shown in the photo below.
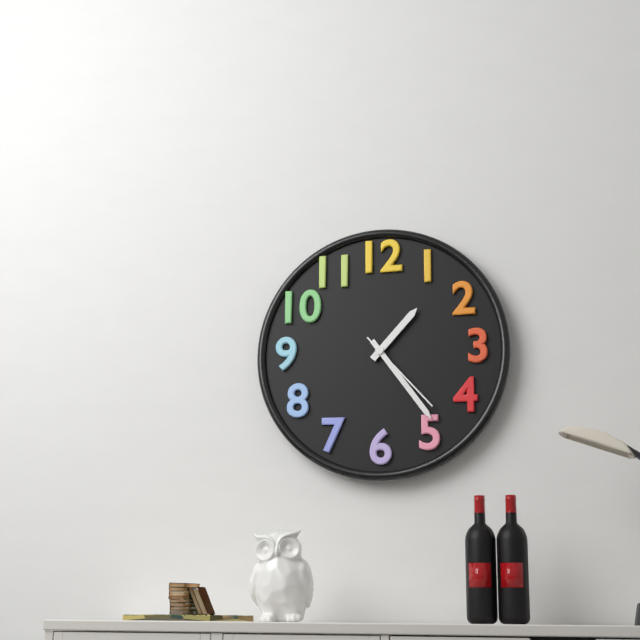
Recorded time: 1:24:23
